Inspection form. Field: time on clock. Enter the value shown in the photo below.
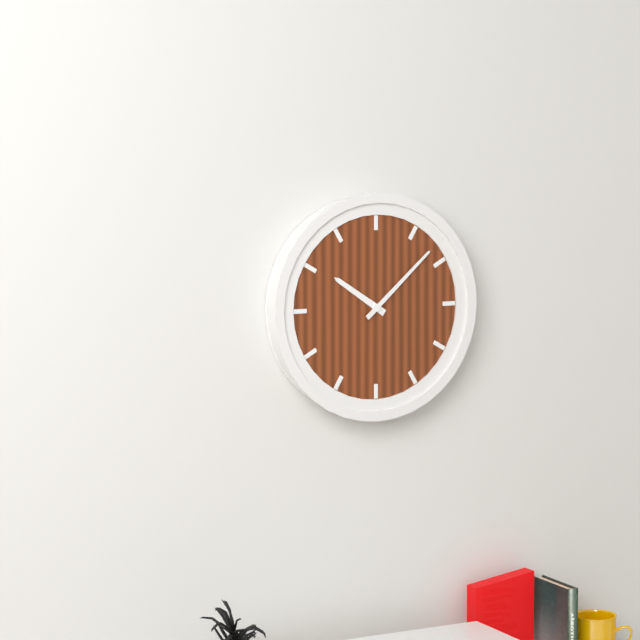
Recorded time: 10:08
